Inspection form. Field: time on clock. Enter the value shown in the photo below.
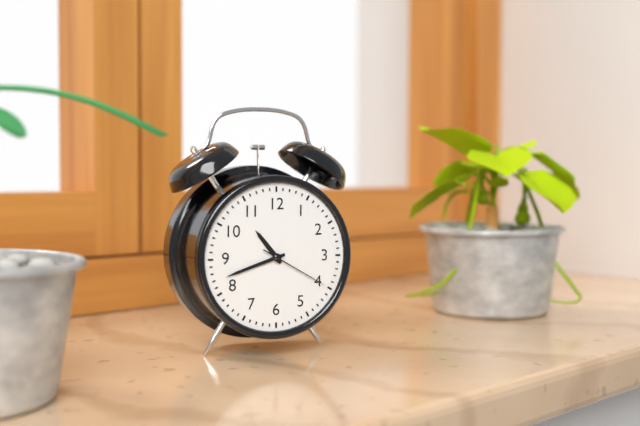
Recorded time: 10:42:20
